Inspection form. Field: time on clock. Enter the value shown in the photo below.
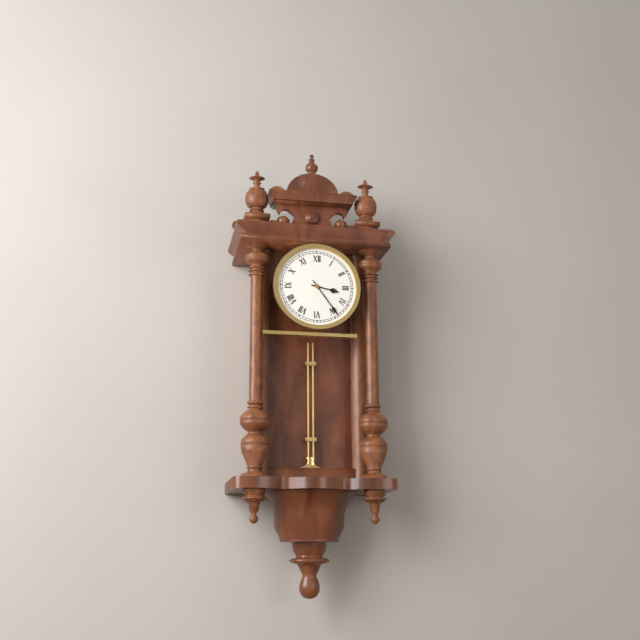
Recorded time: 3:24
